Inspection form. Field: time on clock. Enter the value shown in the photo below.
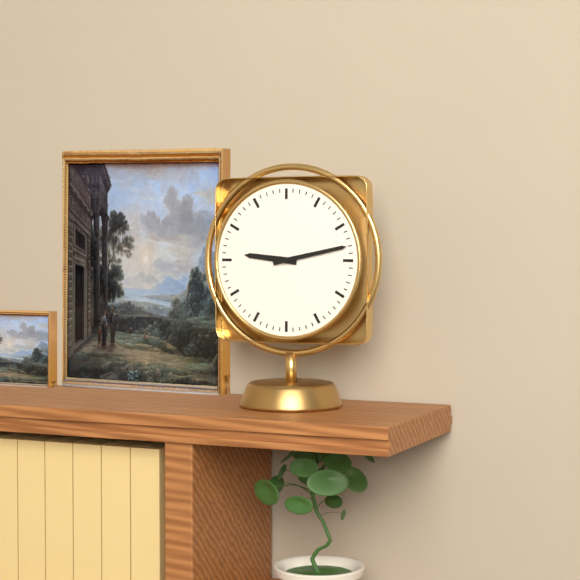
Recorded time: 9:13
